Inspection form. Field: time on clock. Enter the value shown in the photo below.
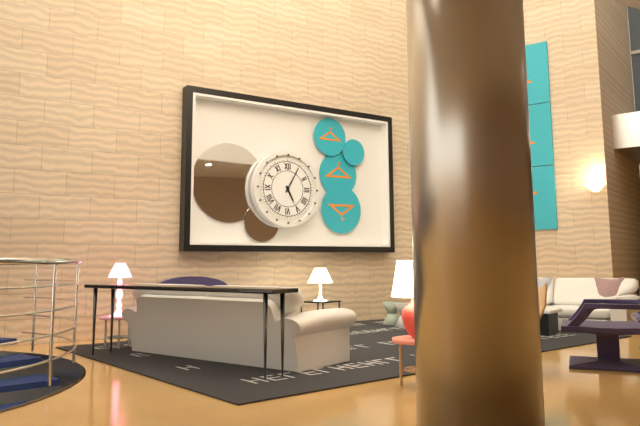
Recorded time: 5:05
